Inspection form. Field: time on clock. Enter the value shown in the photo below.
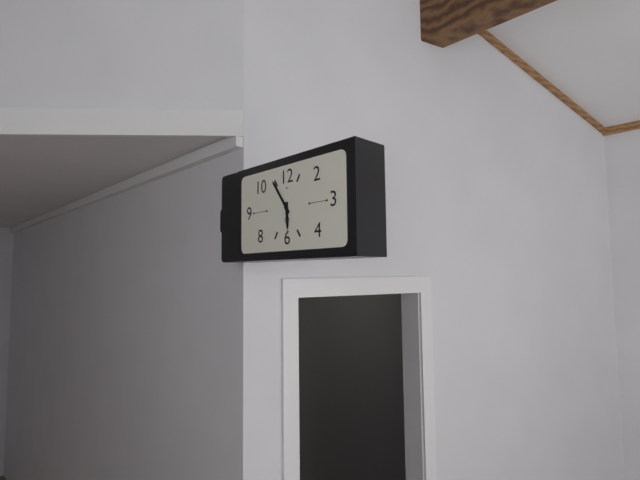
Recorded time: 5:54
